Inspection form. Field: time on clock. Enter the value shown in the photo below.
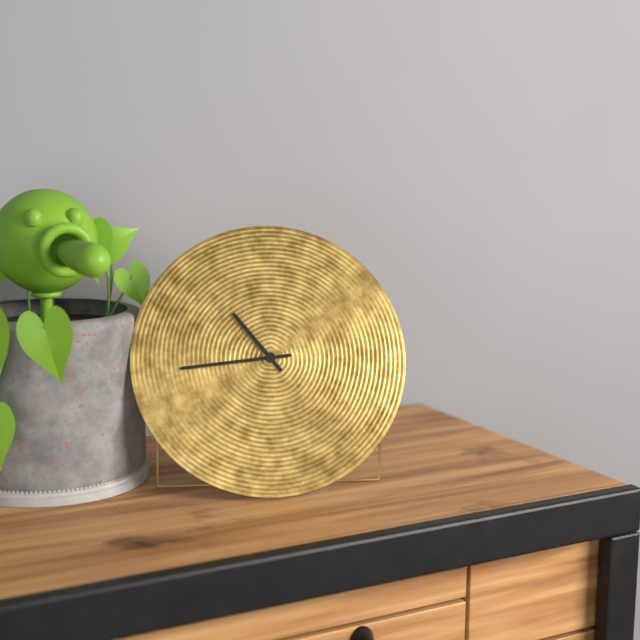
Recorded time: 10:44
